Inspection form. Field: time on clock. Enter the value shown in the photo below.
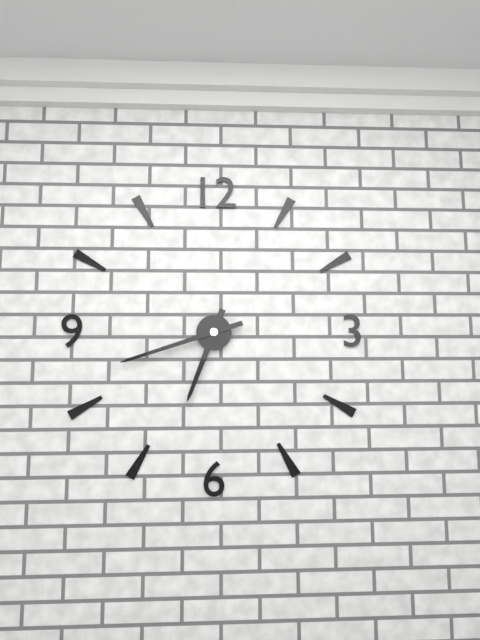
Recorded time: 6:42
